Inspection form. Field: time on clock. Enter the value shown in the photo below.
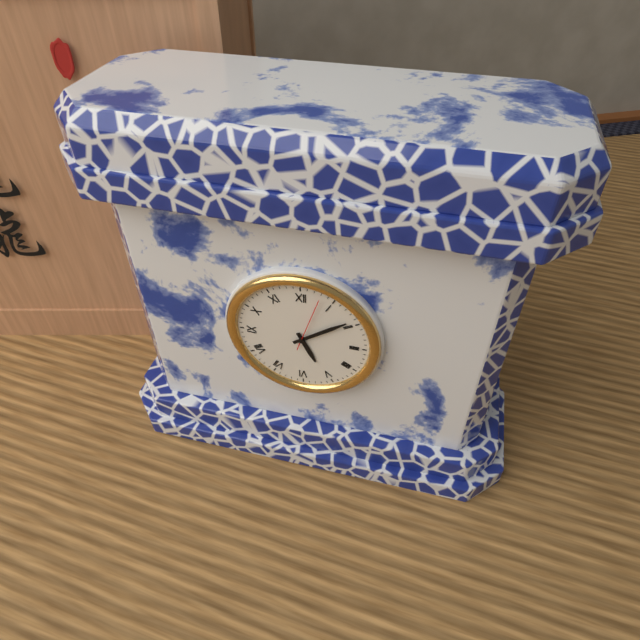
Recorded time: 5:09
